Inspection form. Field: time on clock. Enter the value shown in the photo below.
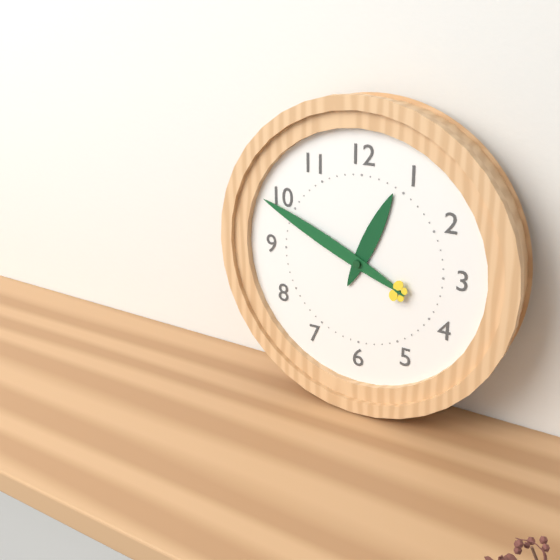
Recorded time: 12:49
